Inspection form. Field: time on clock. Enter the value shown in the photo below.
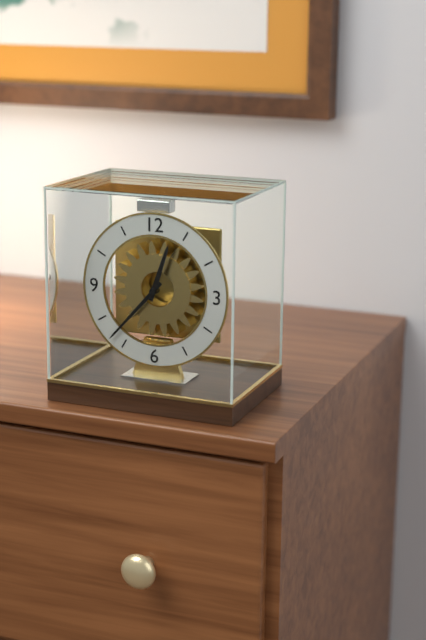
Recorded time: 12:37
